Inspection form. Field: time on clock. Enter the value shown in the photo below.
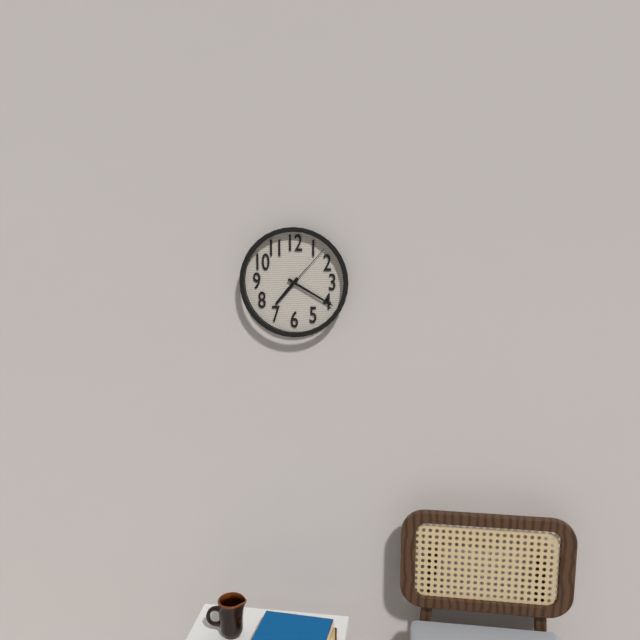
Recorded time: 7:20:07
